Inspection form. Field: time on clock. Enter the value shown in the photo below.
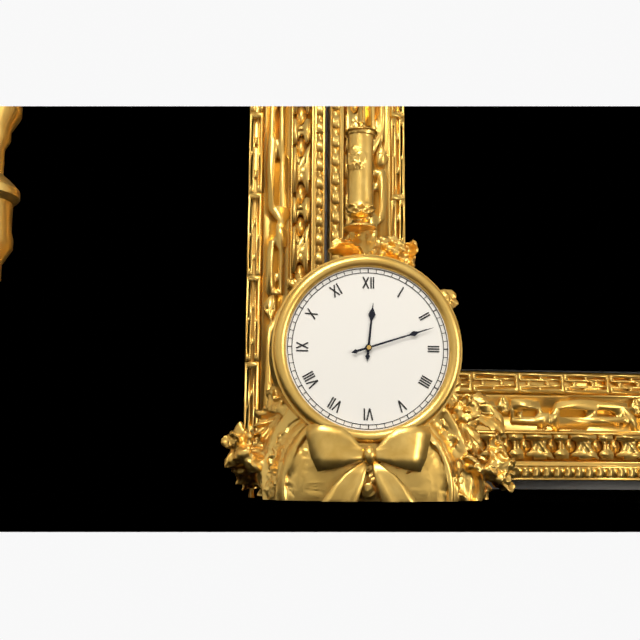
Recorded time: 12:12
